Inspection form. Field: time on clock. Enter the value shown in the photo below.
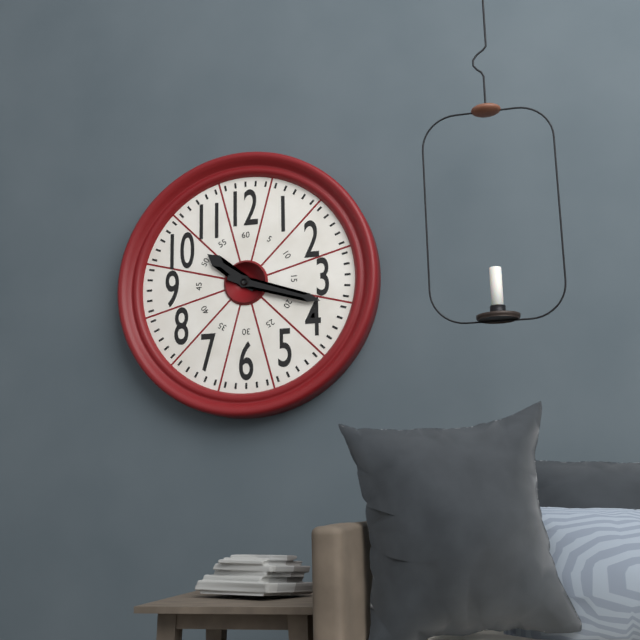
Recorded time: 10:18
